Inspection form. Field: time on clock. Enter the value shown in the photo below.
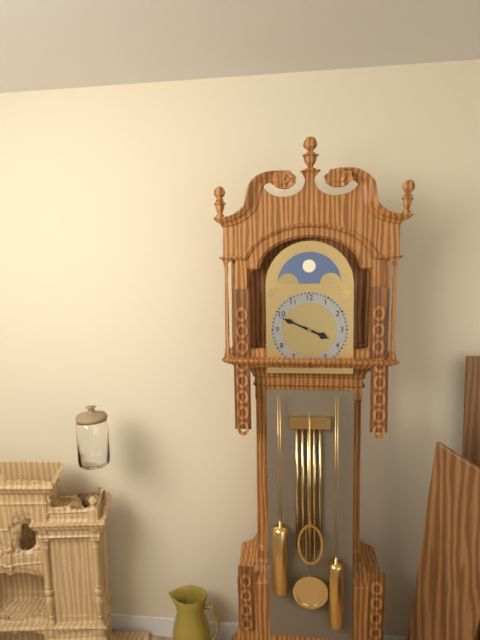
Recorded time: 3:49
